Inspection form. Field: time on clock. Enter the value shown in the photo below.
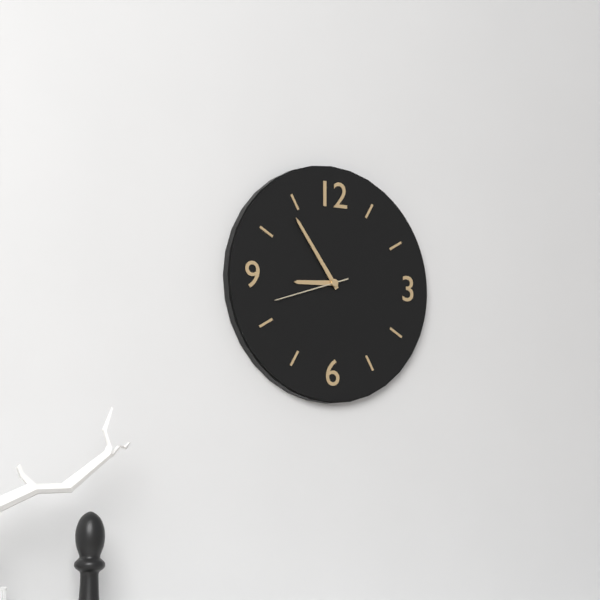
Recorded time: 8:54:42
